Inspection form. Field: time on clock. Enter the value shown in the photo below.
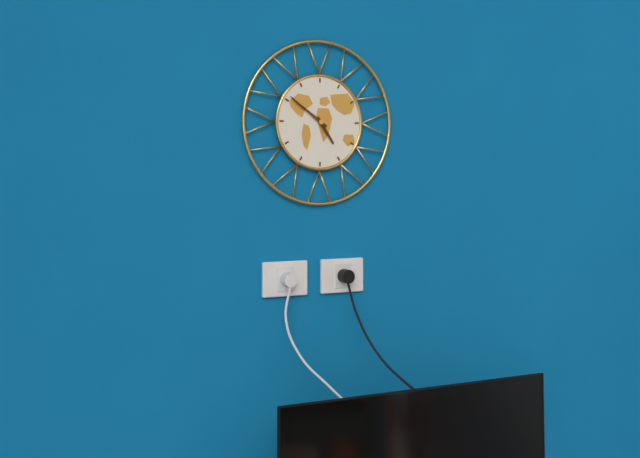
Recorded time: 4:51
